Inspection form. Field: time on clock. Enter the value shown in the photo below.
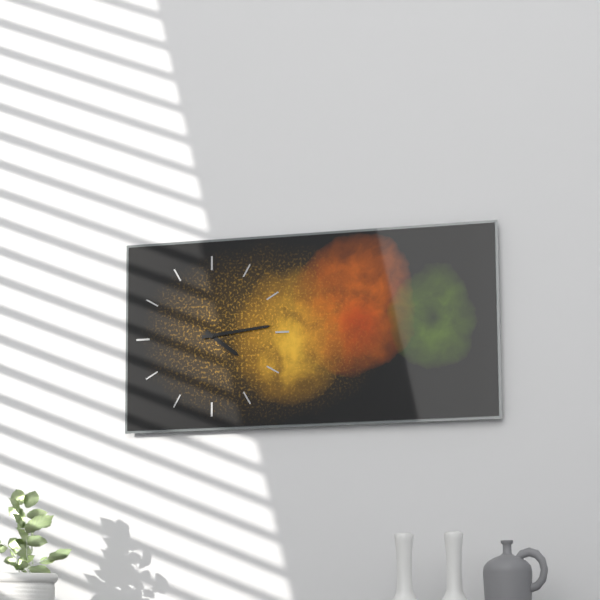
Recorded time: 4:14
